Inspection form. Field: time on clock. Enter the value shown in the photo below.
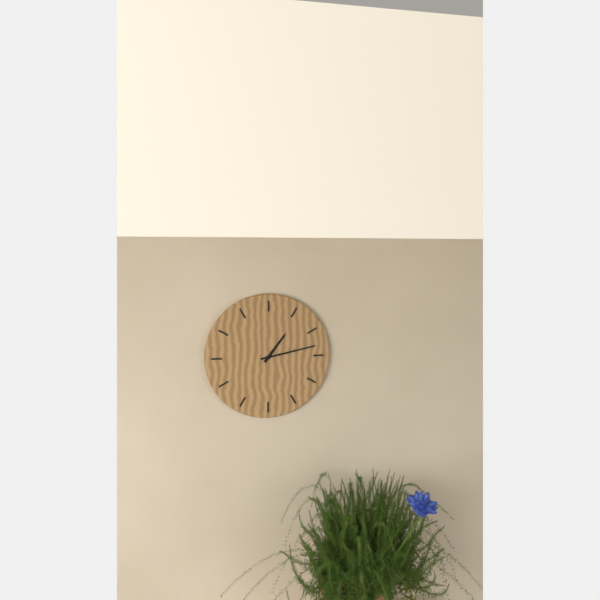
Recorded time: 1:13
